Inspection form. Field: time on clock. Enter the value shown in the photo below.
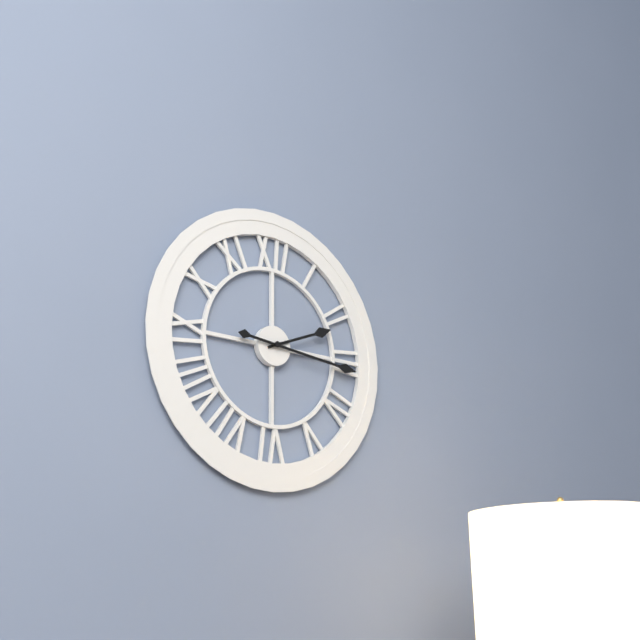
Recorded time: 2:16
